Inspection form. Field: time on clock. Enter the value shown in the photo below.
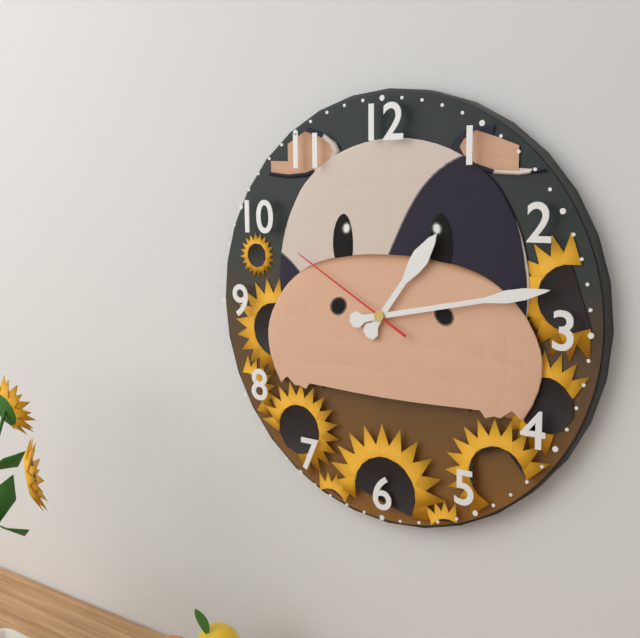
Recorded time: 1:13:50
